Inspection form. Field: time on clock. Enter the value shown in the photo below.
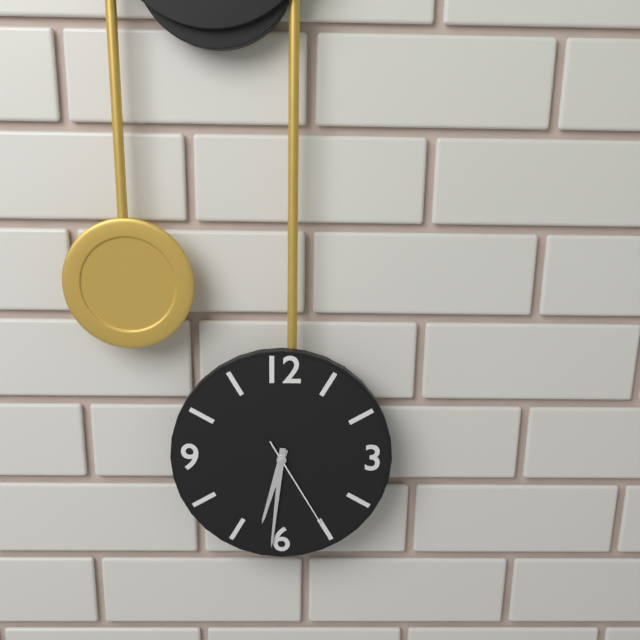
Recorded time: 6:31:25
